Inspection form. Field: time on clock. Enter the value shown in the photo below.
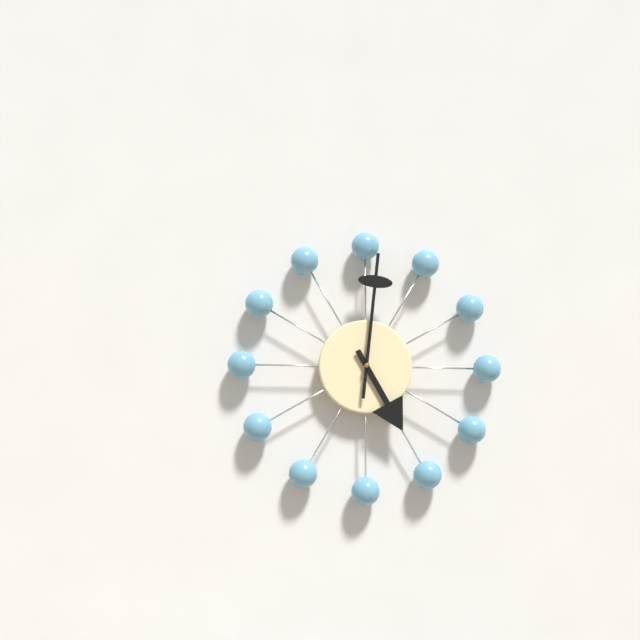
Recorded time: 5:01
